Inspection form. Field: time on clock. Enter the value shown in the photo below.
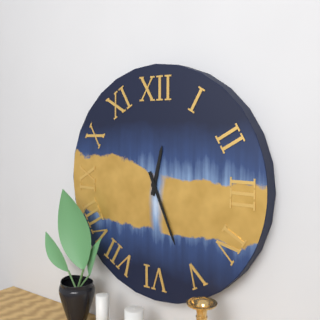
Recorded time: 12:26
